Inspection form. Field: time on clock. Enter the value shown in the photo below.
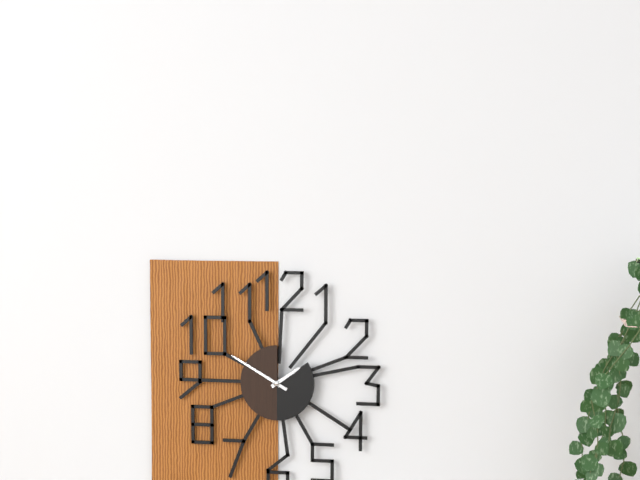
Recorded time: 1:50
